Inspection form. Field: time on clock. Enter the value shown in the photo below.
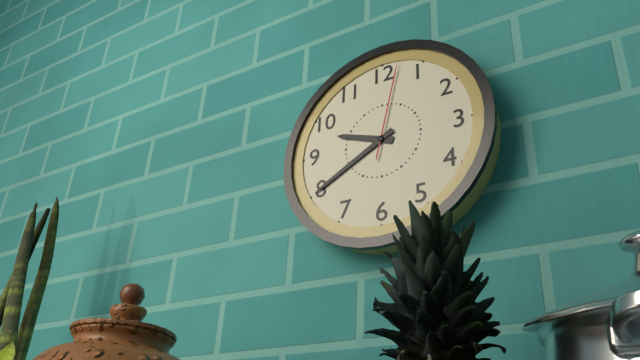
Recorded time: 9:40:02
